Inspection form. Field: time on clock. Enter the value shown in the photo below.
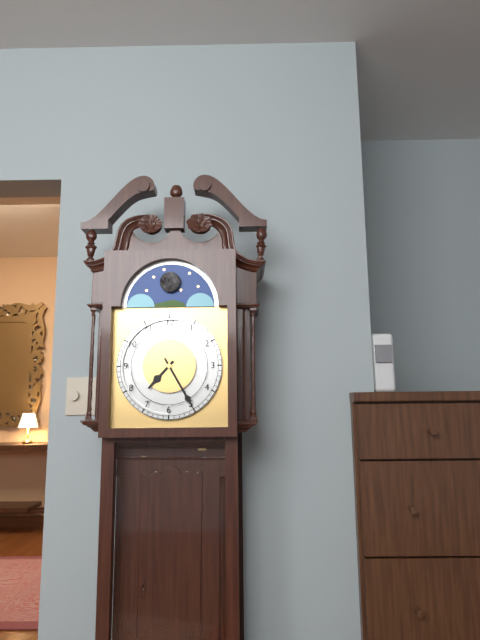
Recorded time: 7:25
